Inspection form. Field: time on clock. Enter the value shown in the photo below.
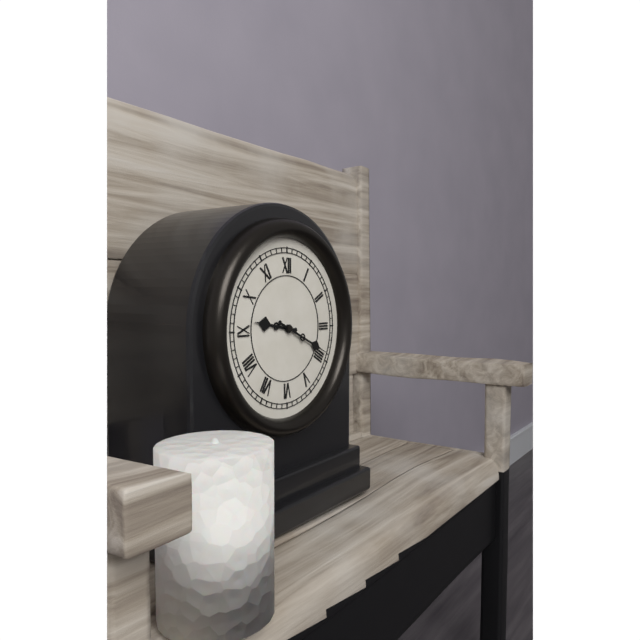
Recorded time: 9:19
